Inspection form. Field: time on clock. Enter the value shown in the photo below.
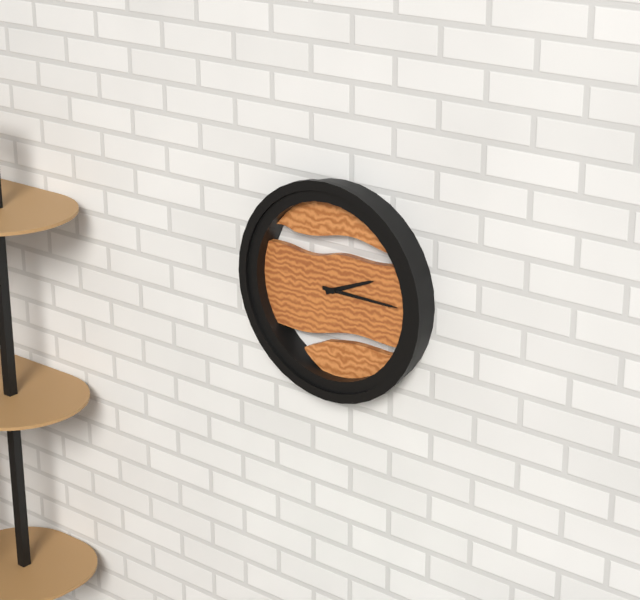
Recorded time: 2:15
